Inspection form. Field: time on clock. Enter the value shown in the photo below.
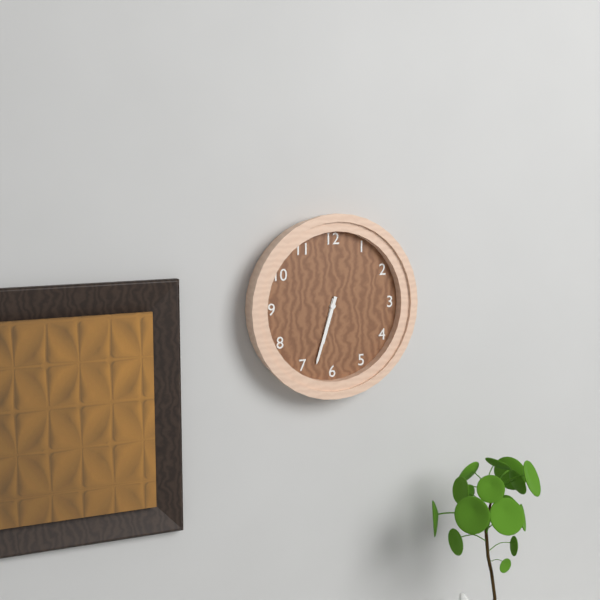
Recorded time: 6:33
